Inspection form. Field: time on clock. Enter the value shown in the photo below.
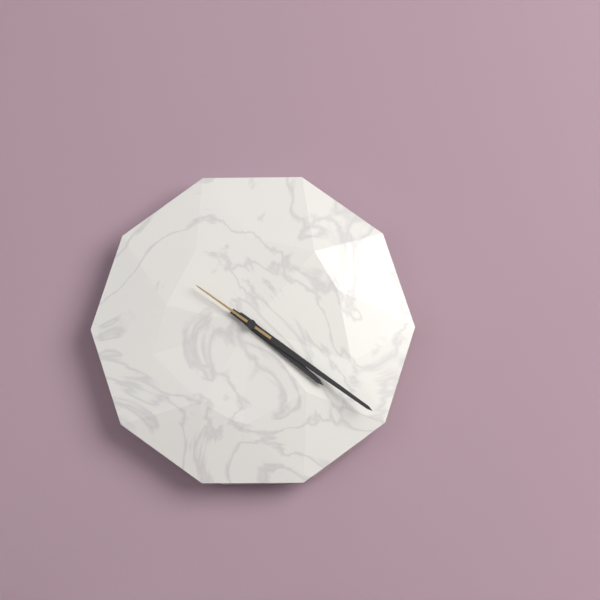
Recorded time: 4:21:51
